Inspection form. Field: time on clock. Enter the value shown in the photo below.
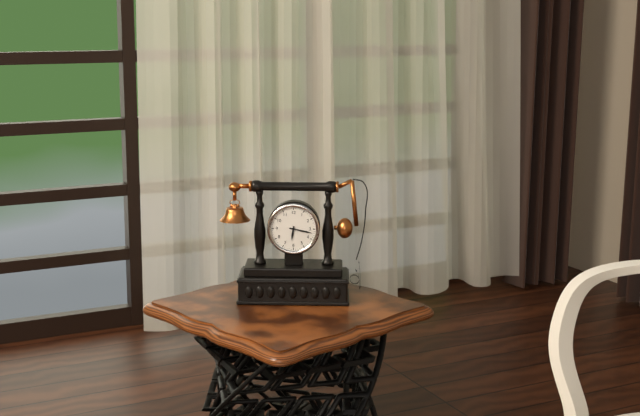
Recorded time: 6:17
